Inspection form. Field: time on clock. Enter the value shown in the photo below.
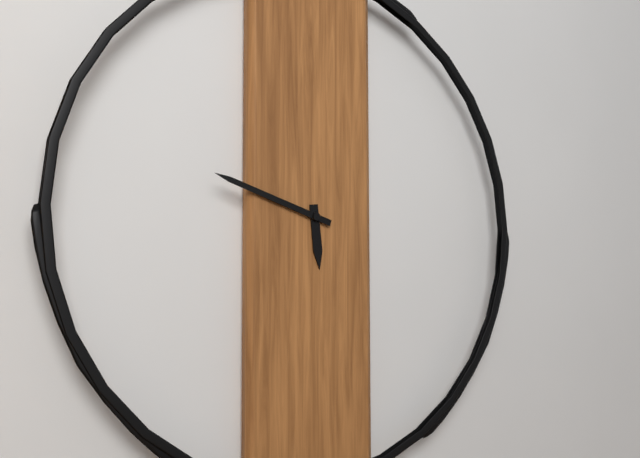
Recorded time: 5:48
